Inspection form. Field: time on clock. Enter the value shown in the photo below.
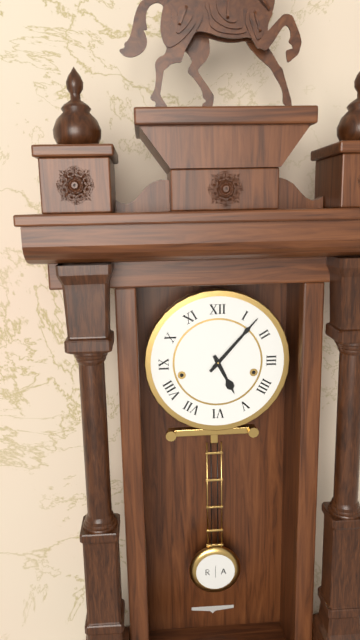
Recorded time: 5:07
